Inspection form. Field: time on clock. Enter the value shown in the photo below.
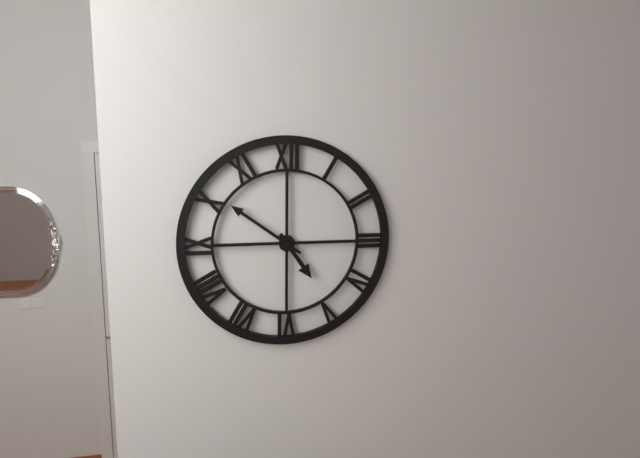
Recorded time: 4:51
